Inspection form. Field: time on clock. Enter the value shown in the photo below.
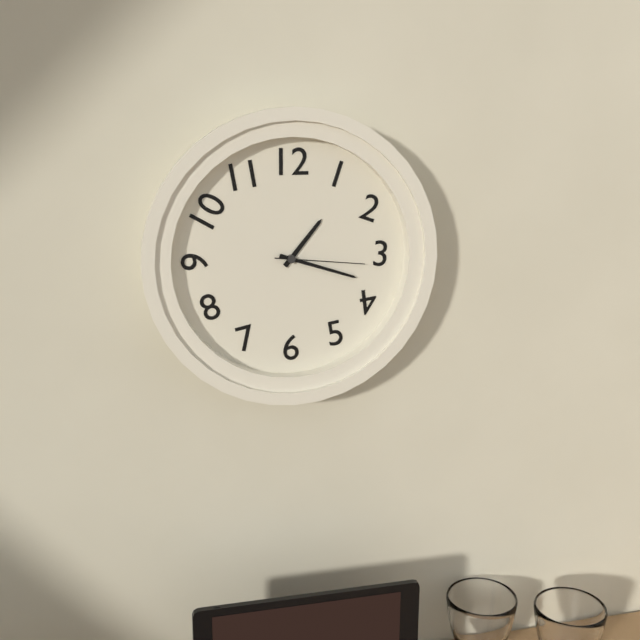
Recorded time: 1:18:16
